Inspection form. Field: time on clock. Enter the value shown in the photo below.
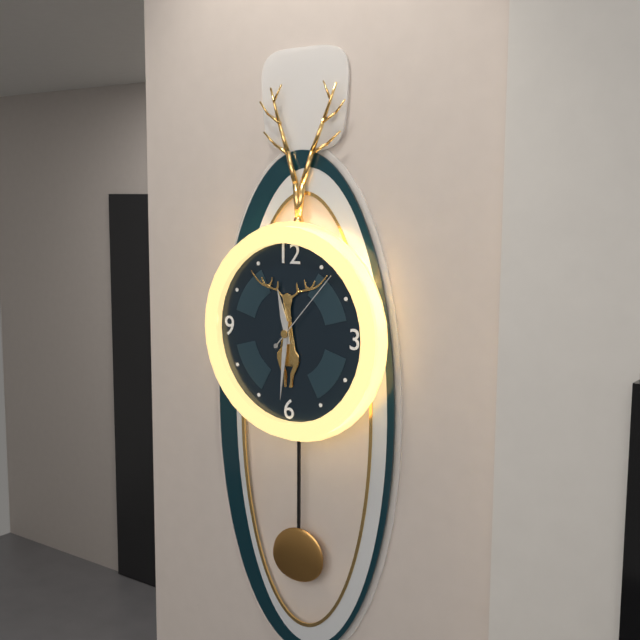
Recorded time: 11:31:07
